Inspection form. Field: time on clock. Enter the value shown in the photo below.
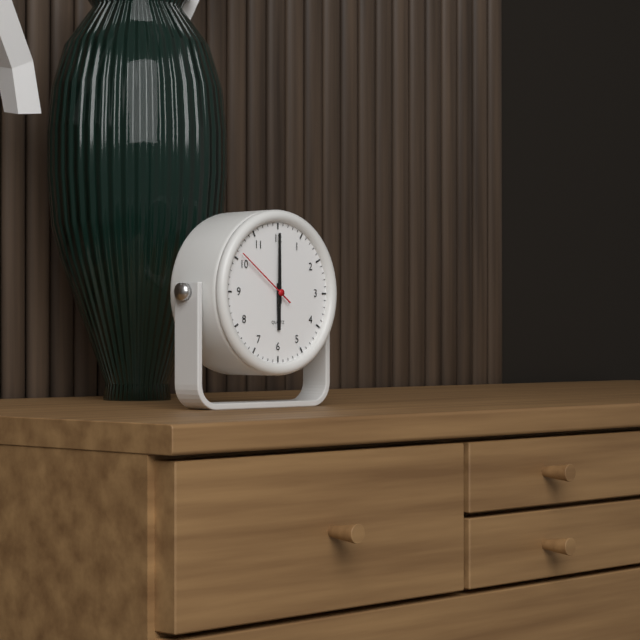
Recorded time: 6:00:51
